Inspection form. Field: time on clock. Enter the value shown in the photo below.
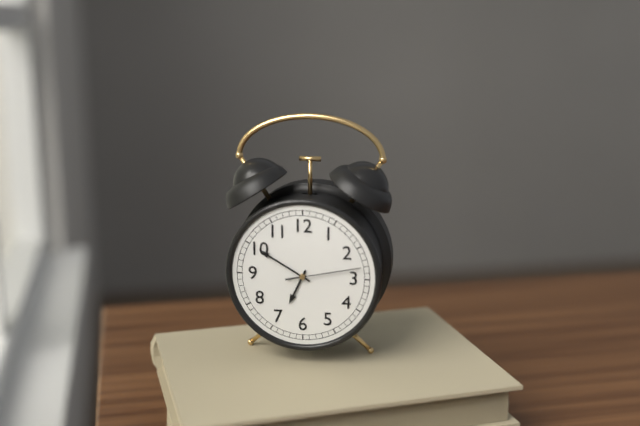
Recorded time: 6:50:13
